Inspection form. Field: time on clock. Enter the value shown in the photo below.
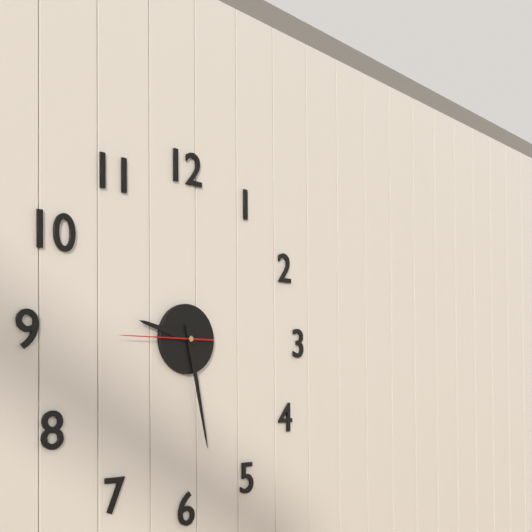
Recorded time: 9:28:45
